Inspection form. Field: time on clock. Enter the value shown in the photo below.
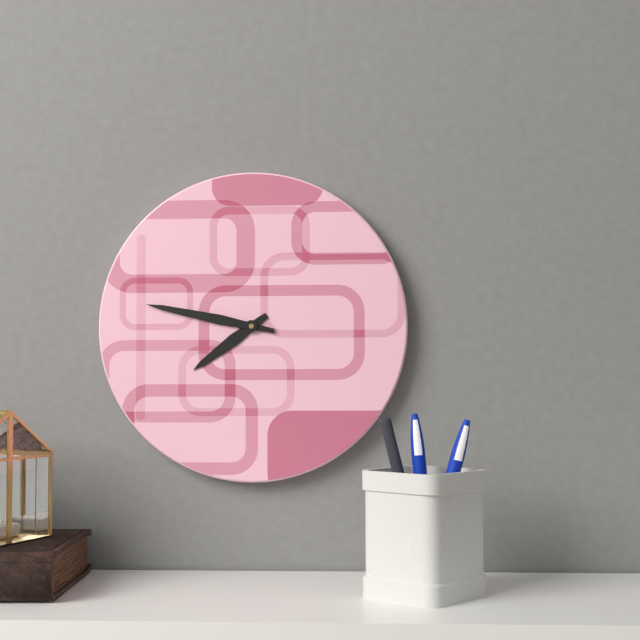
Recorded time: 7:47
